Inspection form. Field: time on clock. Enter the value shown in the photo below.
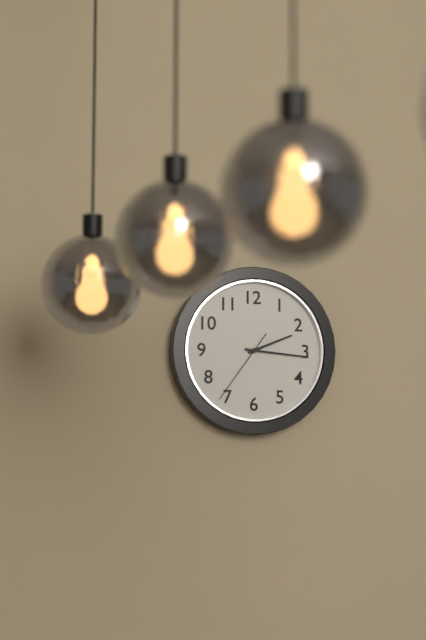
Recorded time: 2:16:36
